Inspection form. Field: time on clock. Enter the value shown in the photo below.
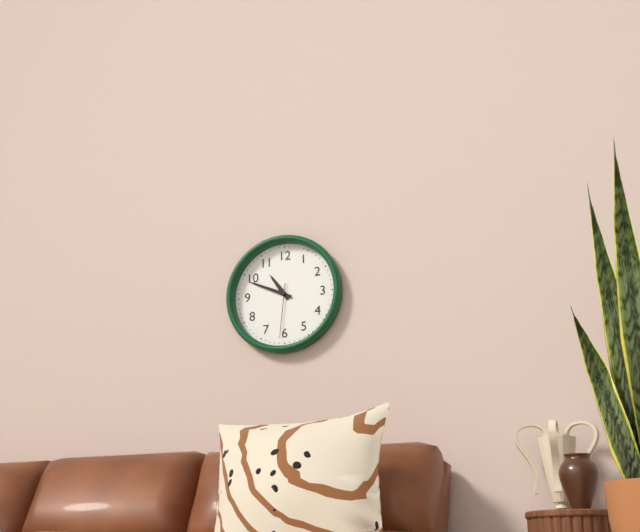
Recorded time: 10:49:31
